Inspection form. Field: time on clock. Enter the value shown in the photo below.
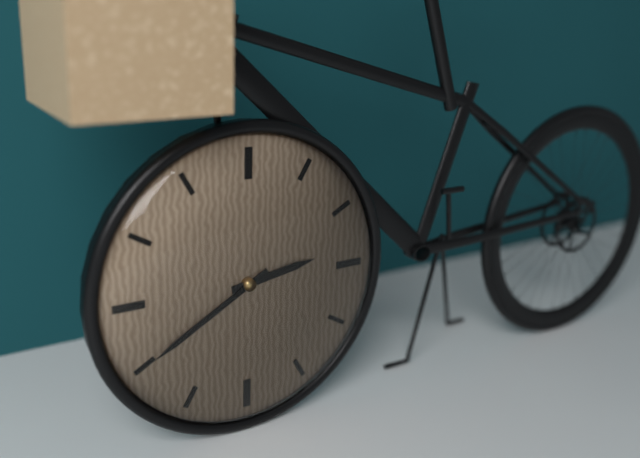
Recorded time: 2:40
